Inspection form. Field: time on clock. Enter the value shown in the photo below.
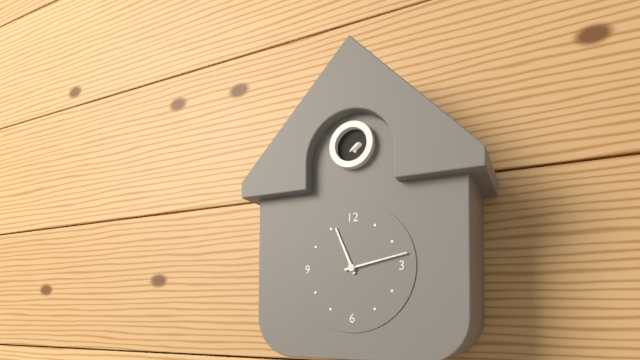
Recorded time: 11:13
